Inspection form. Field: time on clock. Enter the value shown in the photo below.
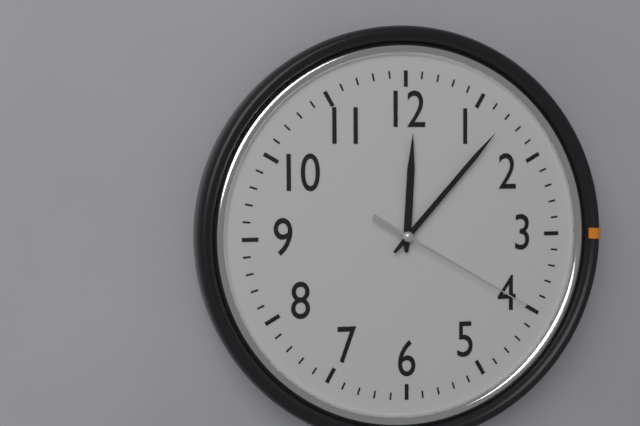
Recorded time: 12:07:20
